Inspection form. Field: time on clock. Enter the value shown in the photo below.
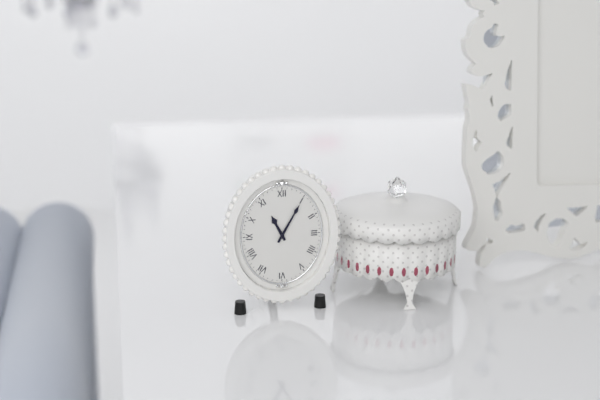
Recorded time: 11:05
